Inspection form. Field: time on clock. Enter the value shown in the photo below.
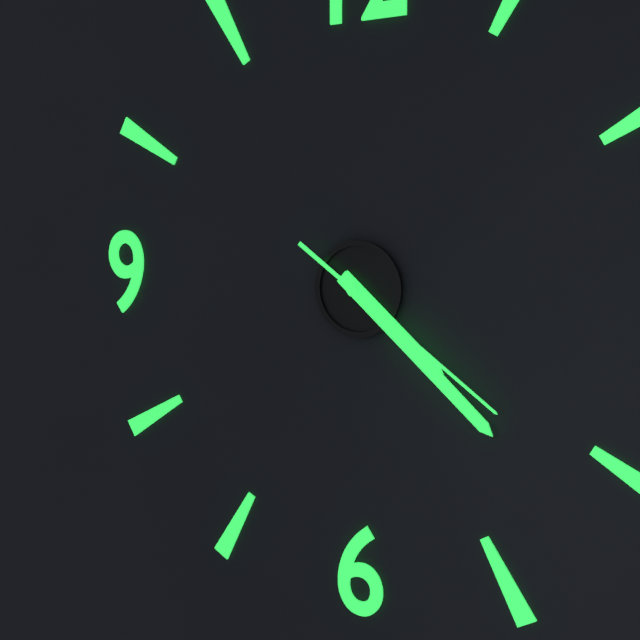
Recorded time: 4:22:21
